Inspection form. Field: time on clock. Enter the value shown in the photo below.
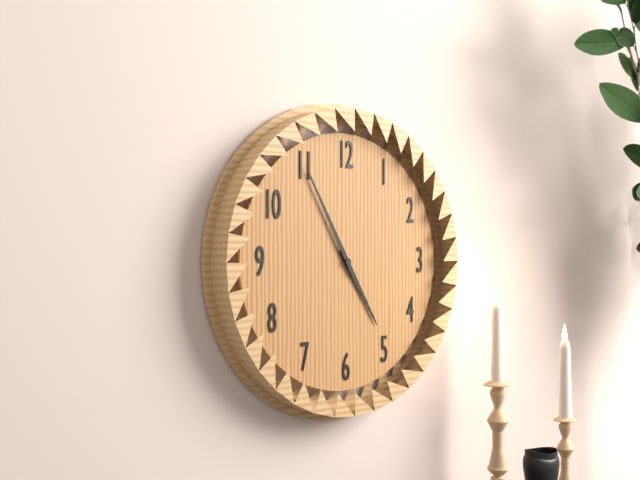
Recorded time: 4:55
